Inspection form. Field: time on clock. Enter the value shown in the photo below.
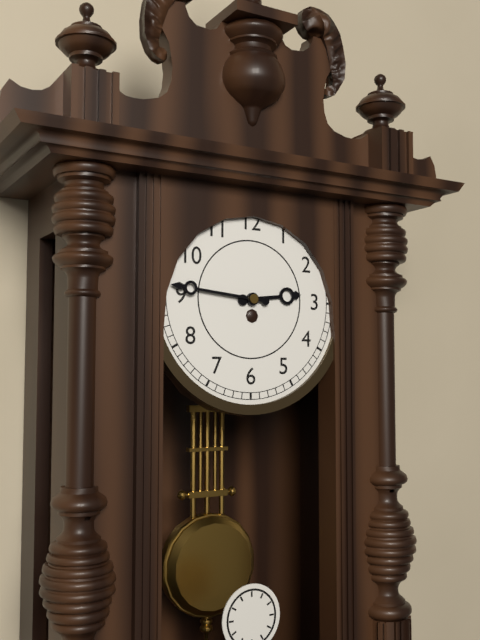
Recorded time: 2:46
